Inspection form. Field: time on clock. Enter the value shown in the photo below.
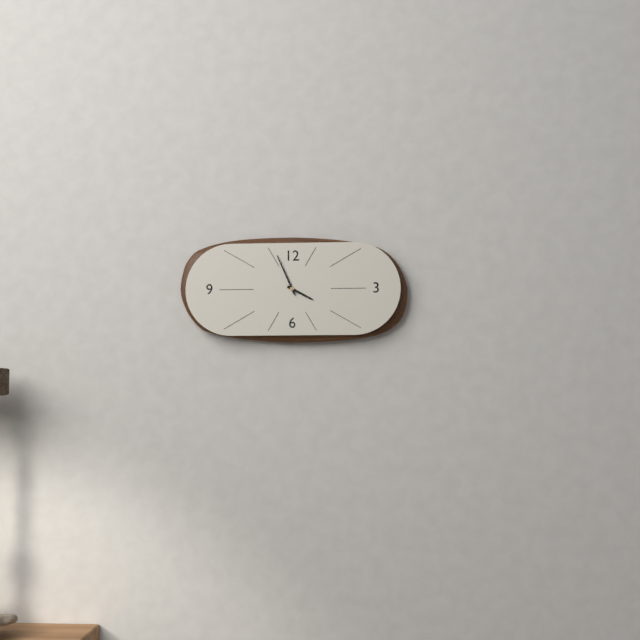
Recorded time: 3:56
